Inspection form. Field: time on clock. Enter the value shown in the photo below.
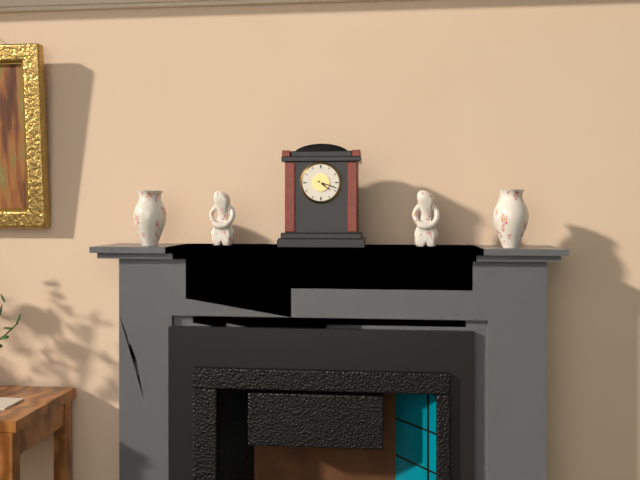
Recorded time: 4:18
